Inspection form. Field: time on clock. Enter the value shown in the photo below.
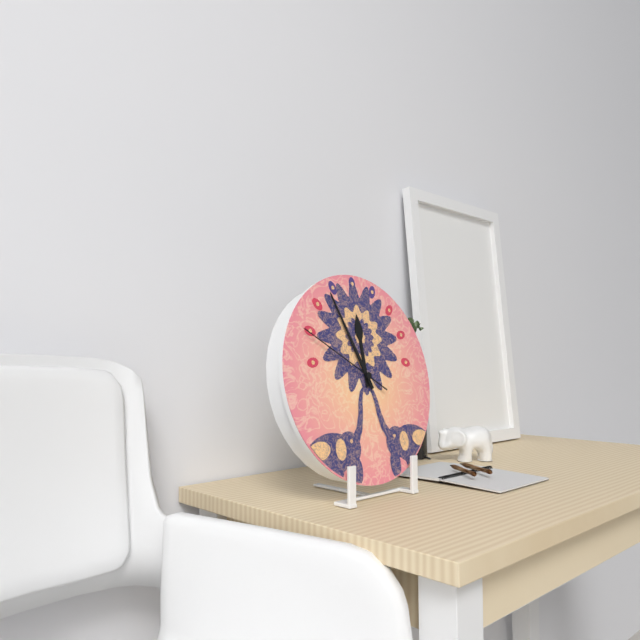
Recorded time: 11:56:50
